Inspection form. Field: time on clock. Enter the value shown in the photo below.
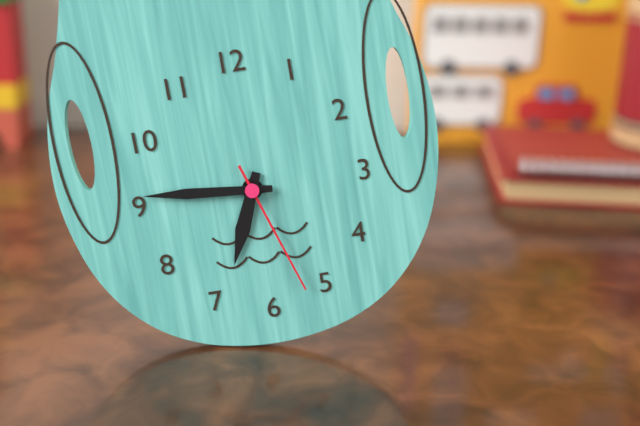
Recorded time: 6:46:27
